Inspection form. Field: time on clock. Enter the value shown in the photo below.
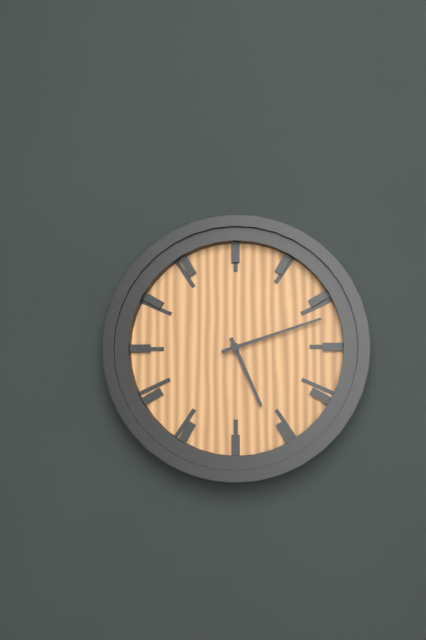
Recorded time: 5:12
